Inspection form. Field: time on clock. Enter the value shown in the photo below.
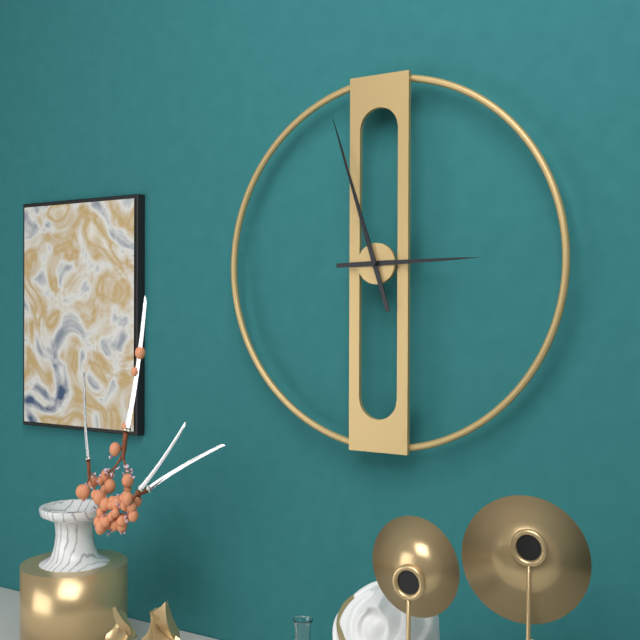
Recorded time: 2:57
